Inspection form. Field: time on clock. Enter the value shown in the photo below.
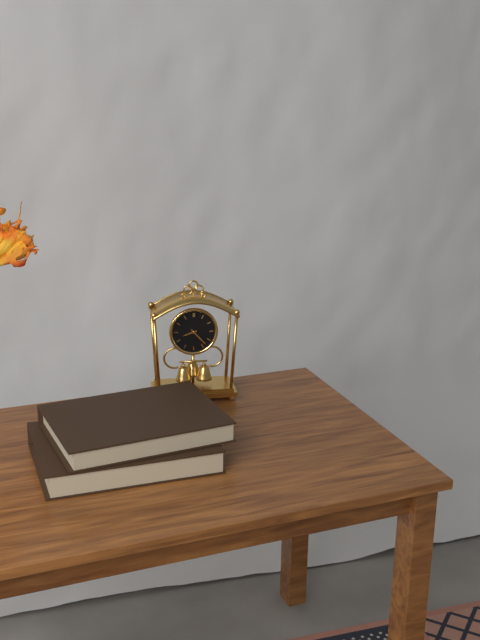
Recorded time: 8:23
